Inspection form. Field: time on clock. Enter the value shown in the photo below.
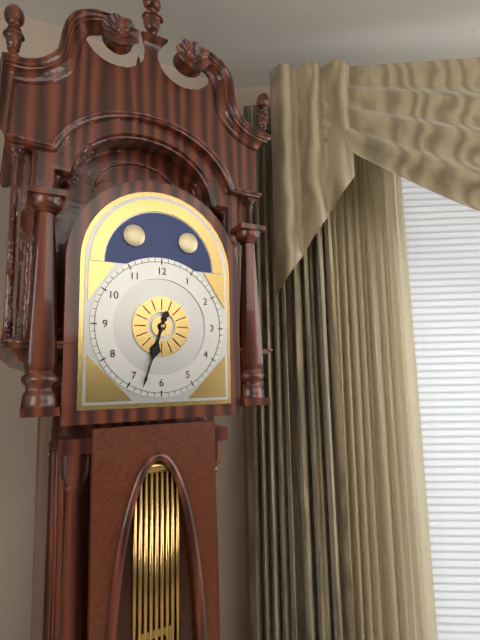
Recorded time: 6:33
